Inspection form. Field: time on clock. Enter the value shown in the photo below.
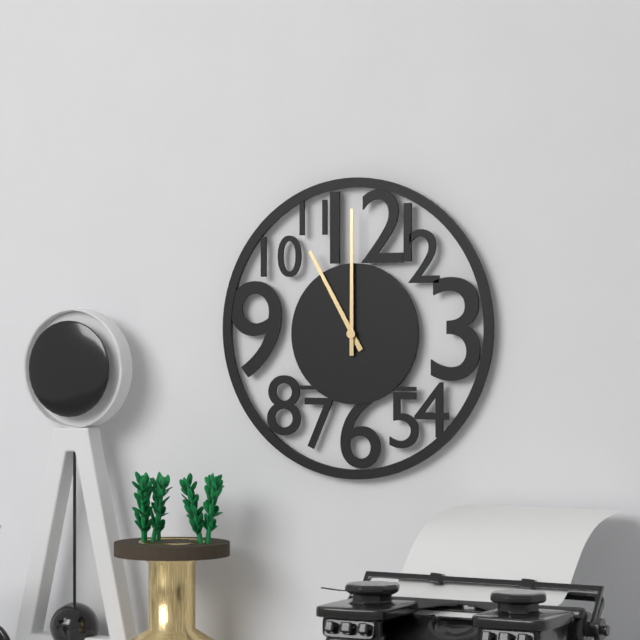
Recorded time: 11:00
